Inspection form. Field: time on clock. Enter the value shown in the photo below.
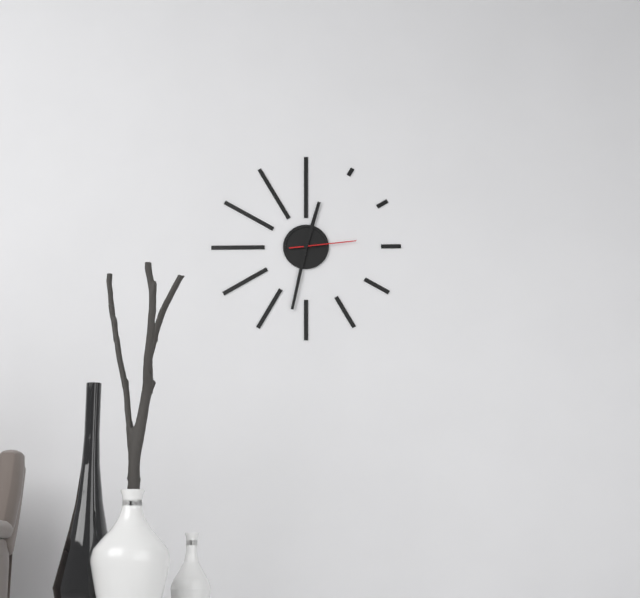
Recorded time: 12:32:14
